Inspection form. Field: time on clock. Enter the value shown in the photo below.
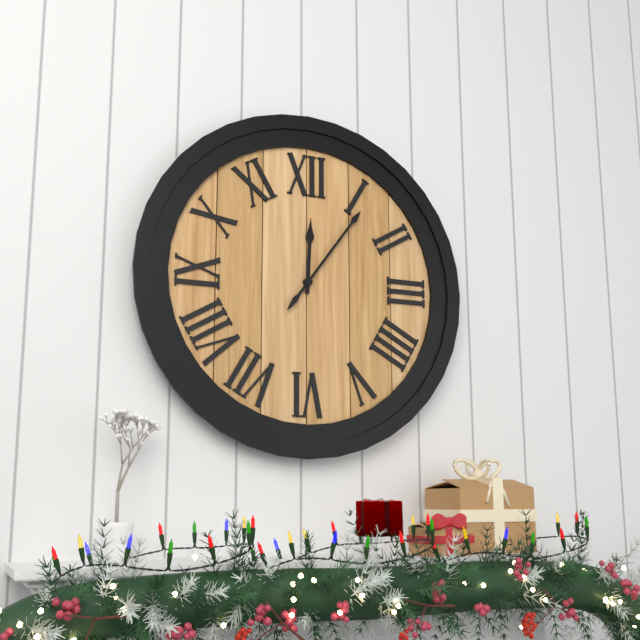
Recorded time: 12:06
